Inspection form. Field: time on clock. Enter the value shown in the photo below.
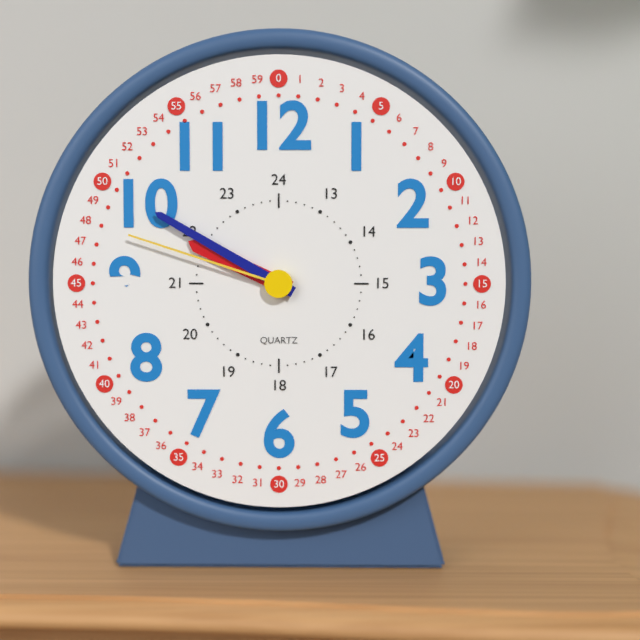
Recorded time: 9:50:48
